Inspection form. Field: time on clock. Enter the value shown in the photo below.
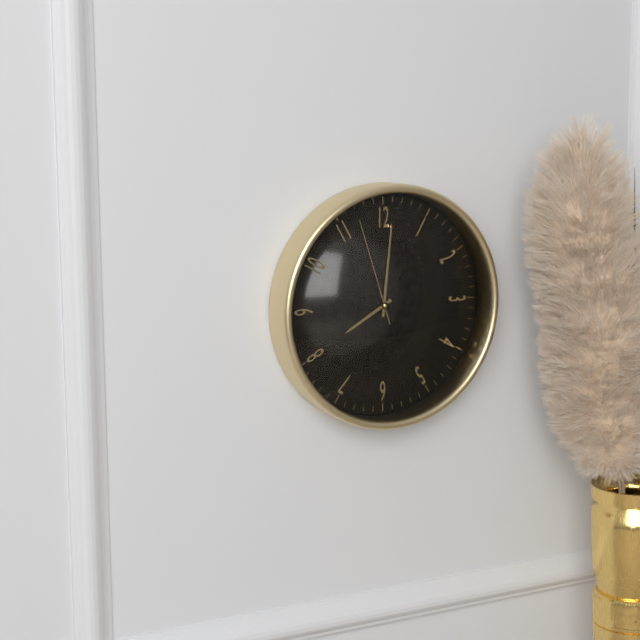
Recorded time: 8:01:57
